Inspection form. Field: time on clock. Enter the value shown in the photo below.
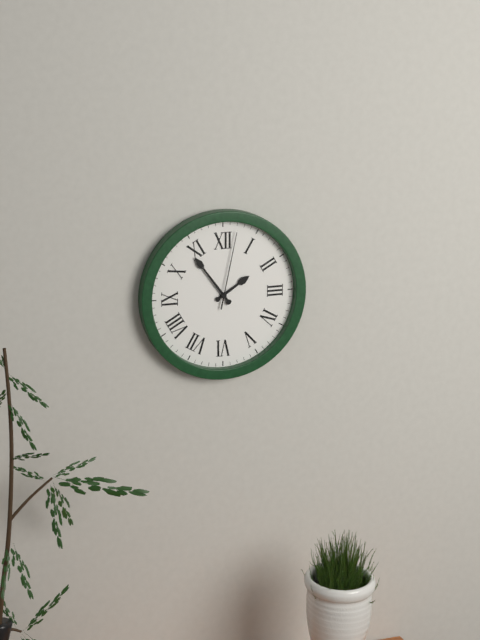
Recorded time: 1:54:02
